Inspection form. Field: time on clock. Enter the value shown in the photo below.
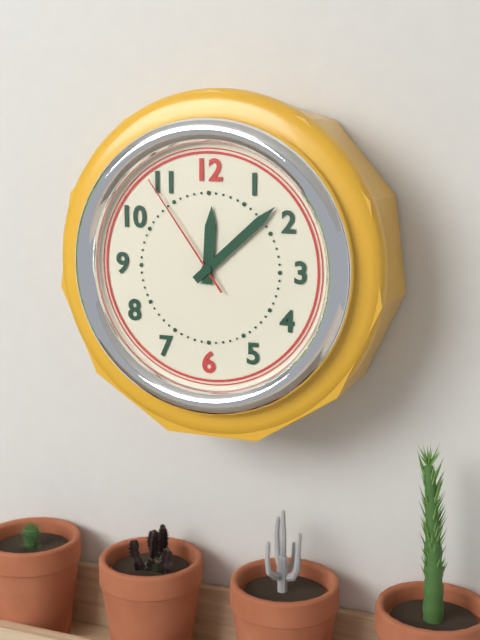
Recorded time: 12:08:54
